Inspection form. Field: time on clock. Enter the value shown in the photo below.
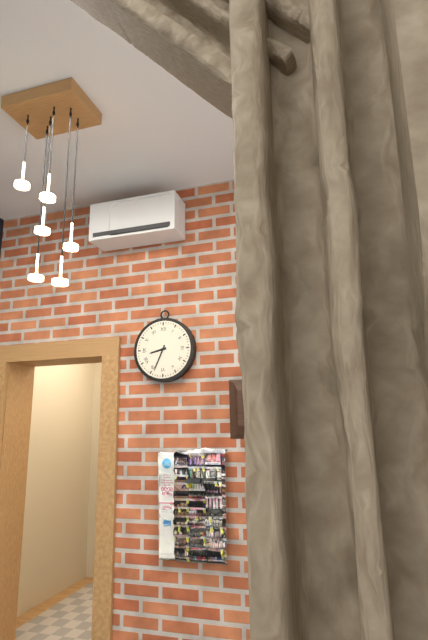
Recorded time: 8:34
